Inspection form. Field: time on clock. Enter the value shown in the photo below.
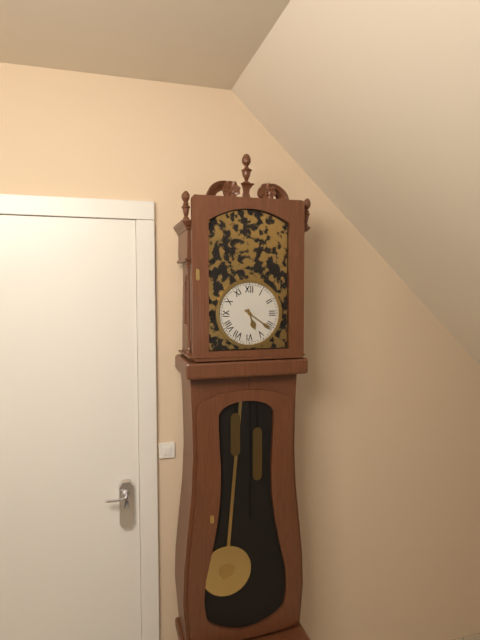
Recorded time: 5:21
